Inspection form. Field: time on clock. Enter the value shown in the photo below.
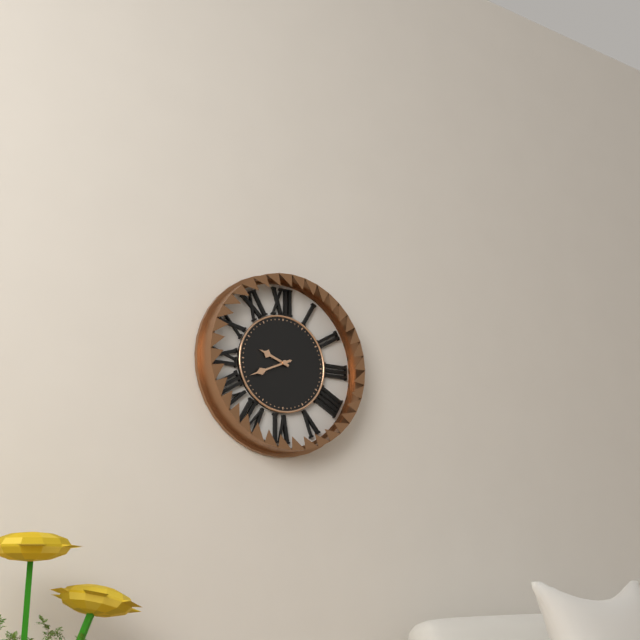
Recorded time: 9:41
